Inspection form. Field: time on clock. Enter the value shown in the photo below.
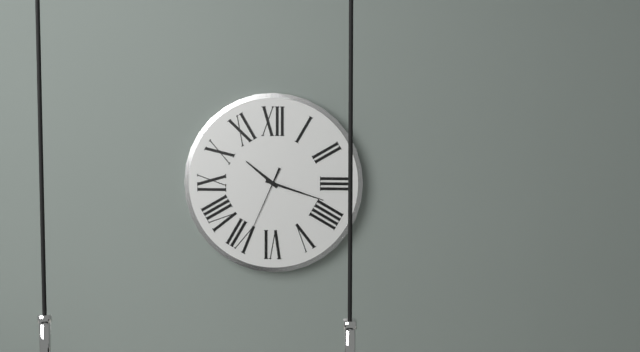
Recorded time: 10:18:34
